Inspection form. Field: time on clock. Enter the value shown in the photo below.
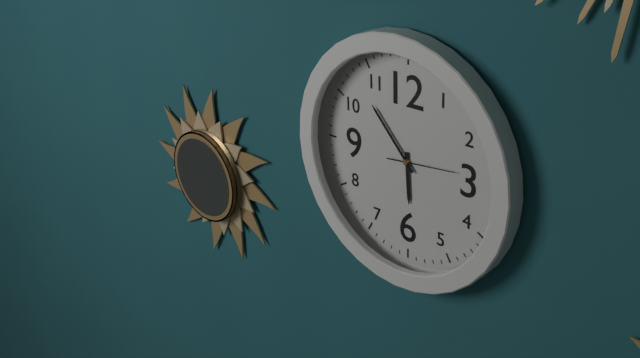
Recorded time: 5:53:14
